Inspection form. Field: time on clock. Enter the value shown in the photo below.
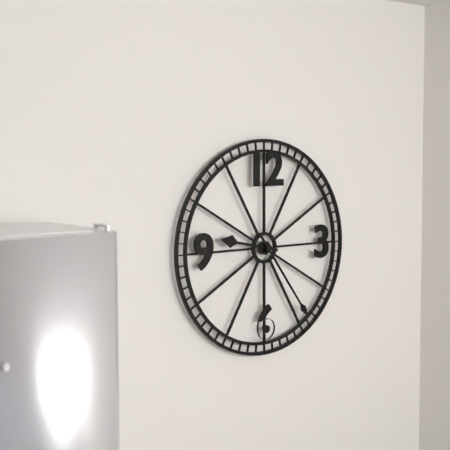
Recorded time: 9:24
